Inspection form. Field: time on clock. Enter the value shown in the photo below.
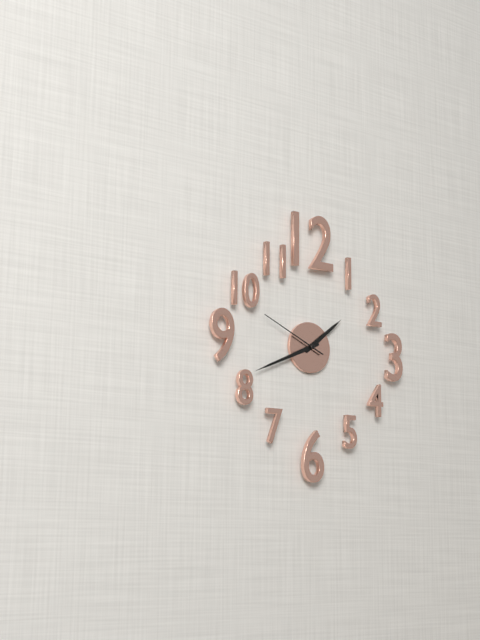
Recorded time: 1:41:49
